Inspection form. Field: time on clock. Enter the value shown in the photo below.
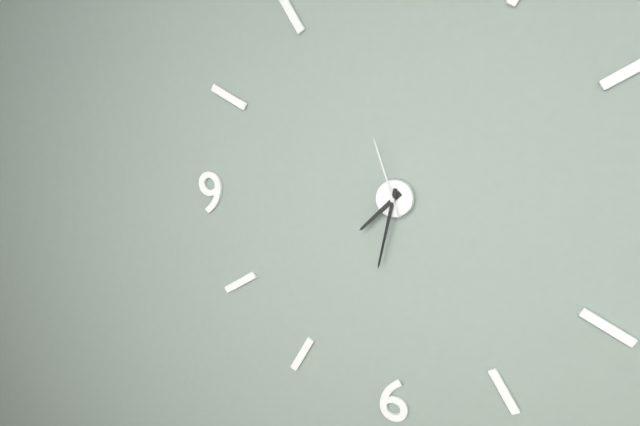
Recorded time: 7:32:57
